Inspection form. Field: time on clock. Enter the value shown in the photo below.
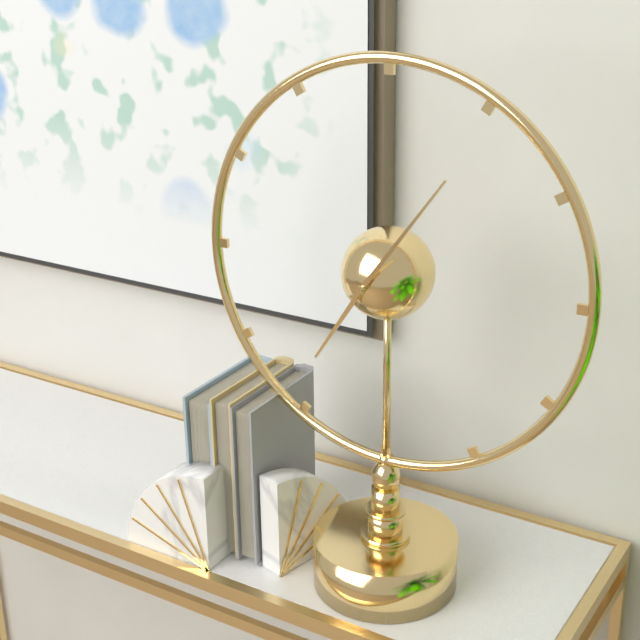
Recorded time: 7:06
